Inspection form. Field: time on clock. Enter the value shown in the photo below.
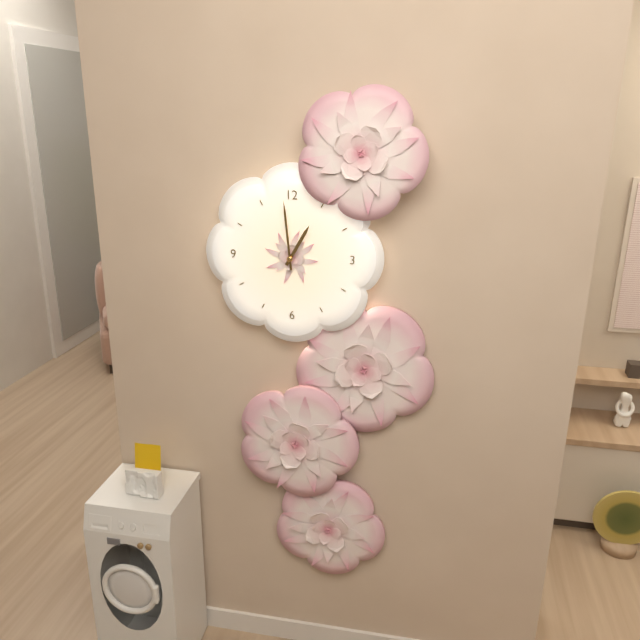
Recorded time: 12:59
